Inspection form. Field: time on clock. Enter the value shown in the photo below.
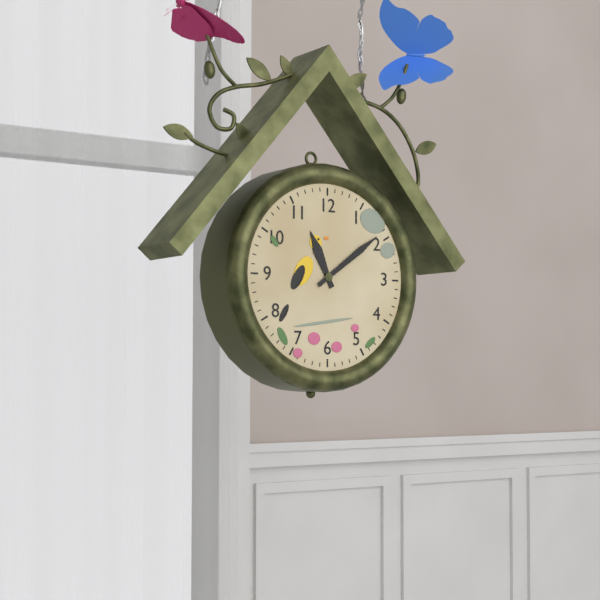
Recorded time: 11:09
